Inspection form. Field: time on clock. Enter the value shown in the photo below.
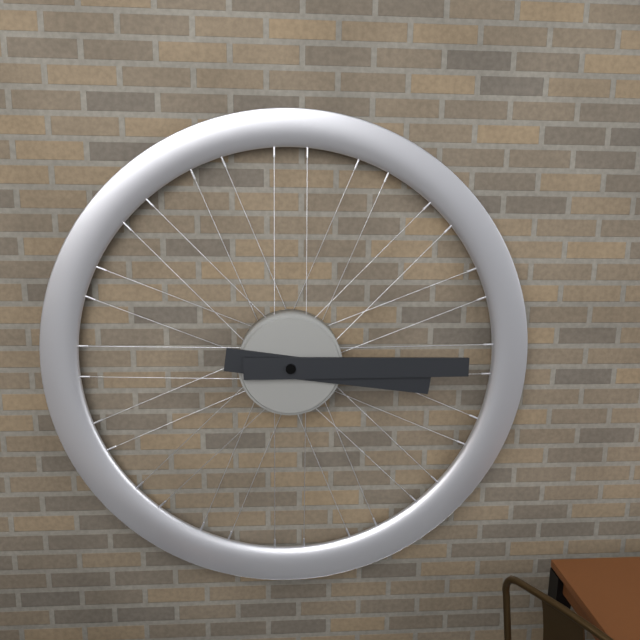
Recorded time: 3:15
